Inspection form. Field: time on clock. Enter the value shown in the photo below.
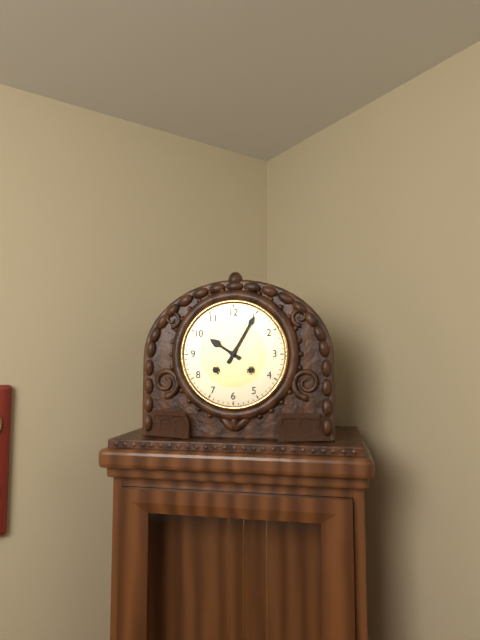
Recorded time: 10:05
